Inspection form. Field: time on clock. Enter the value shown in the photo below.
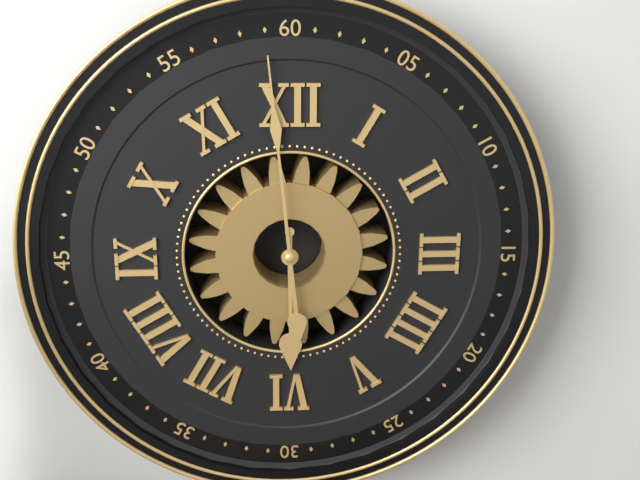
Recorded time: 5:59
